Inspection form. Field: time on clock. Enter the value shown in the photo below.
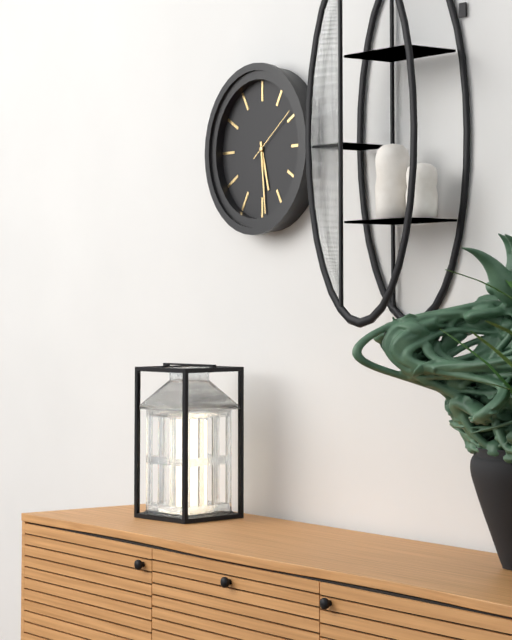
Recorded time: 5:29:09
